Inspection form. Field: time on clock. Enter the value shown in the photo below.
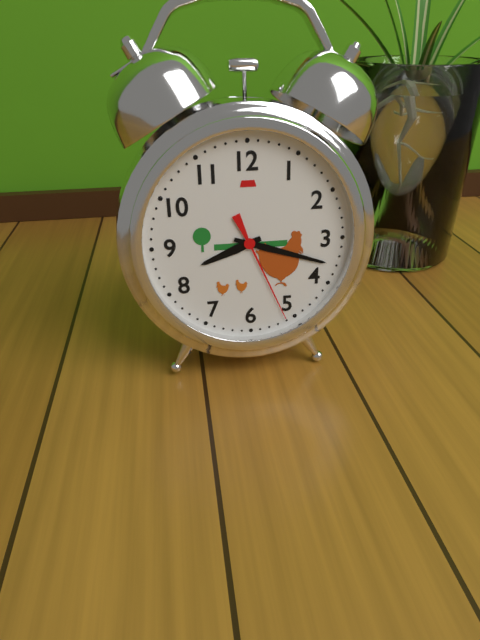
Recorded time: 8:18:26
